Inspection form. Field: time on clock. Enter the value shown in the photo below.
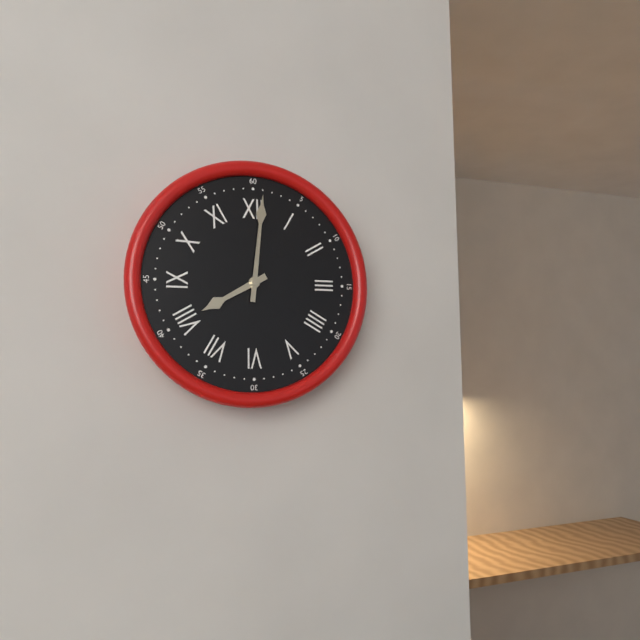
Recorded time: 8:01
